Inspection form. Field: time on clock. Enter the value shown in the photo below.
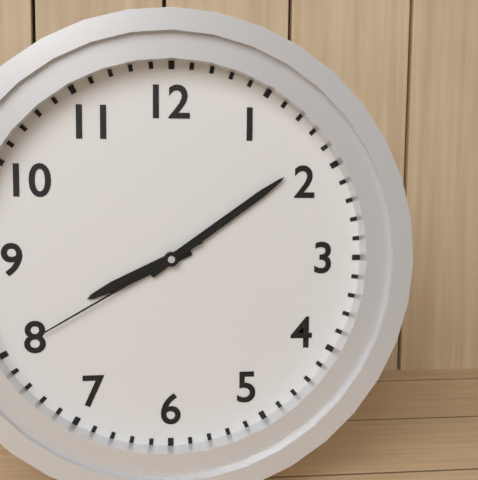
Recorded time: 8:09:40
